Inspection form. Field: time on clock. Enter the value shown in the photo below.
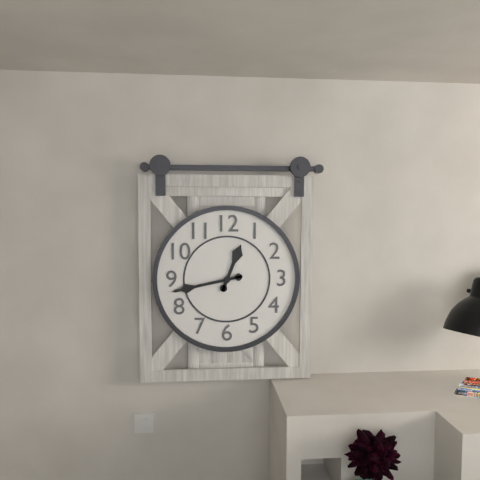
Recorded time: 12:43
